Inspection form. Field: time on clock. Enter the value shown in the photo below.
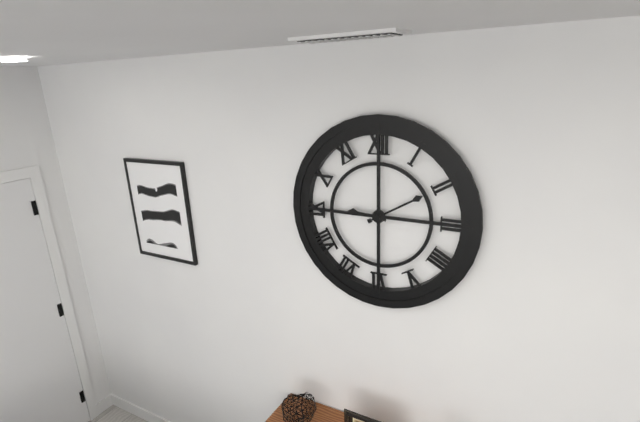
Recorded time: 9:10
